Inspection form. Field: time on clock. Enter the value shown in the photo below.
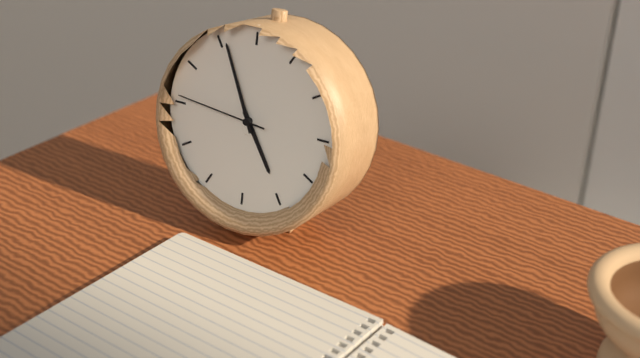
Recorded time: 4:56:46
